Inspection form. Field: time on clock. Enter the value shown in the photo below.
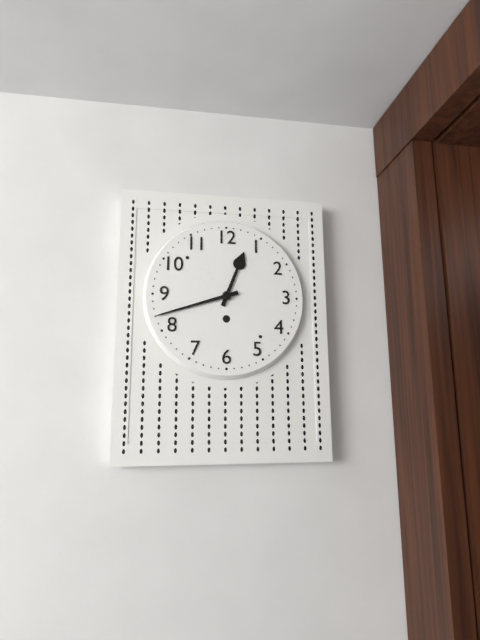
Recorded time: 12:42
